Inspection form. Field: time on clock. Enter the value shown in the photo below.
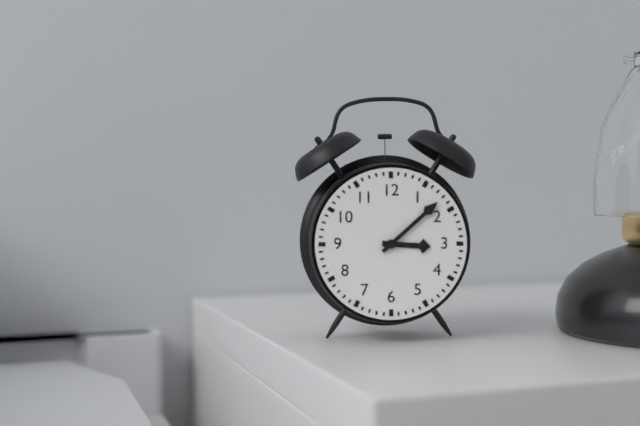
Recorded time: 3:08
